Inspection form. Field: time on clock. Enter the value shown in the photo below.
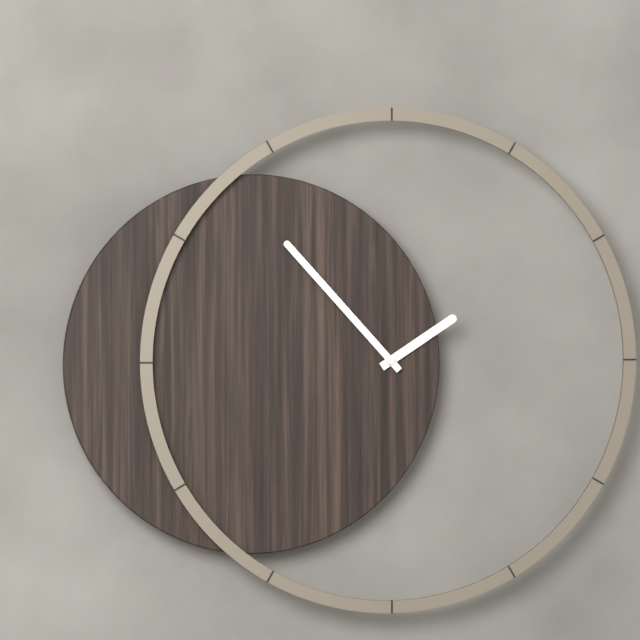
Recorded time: 1:53
